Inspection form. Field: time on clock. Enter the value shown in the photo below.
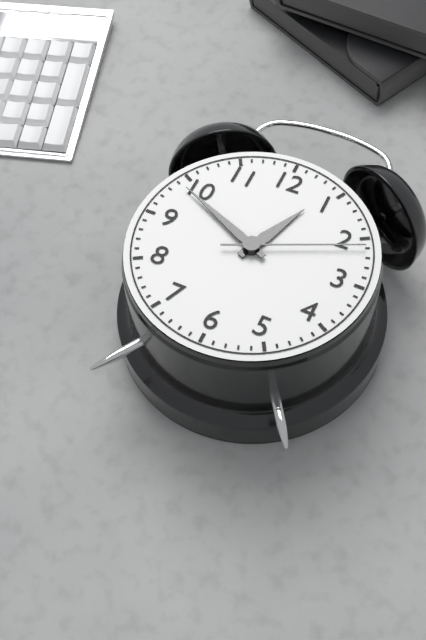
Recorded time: 12:49:11
